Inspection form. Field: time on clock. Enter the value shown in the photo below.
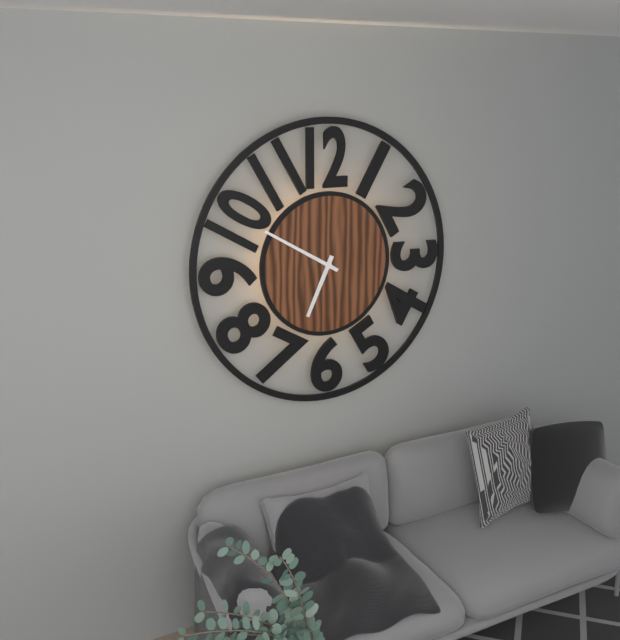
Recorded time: 6:50
